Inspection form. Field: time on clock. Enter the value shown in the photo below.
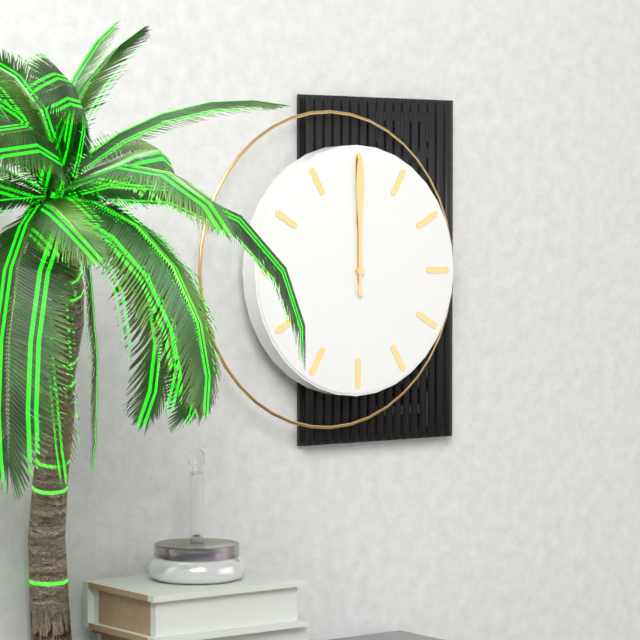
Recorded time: 12:00
